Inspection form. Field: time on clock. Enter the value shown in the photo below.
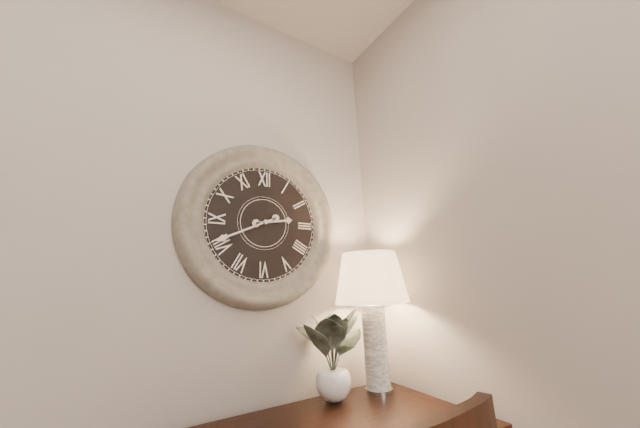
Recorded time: 2:41
